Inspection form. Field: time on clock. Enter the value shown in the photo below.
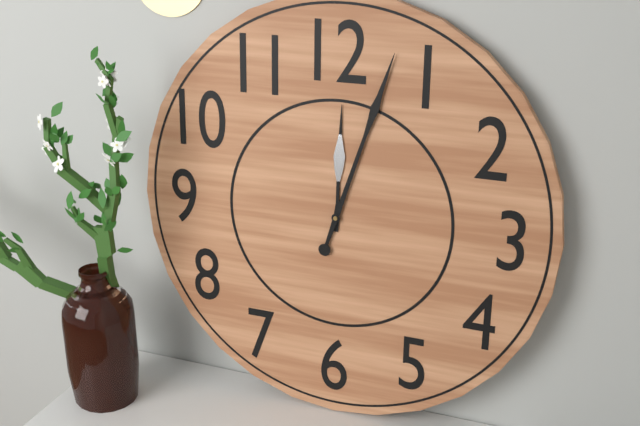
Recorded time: 12:03
